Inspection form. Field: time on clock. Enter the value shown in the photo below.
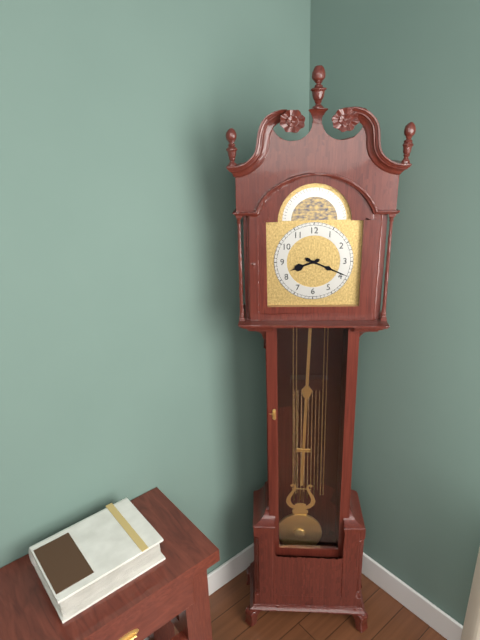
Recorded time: 8:19
